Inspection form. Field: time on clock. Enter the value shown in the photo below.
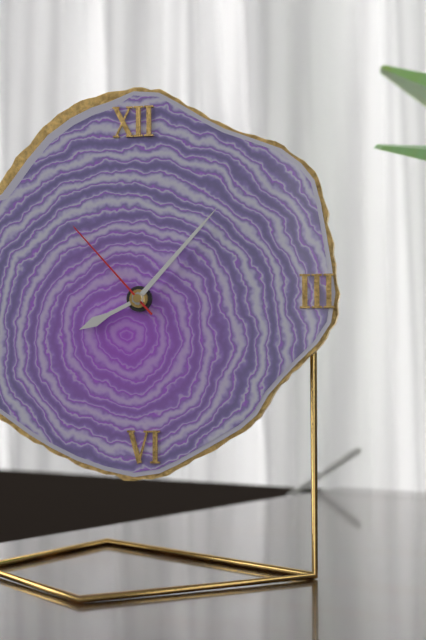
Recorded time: 8:07:53
